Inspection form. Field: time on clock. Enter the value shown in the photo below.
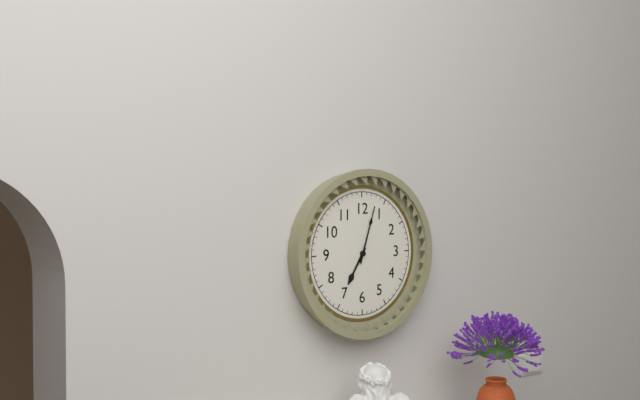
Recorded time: 7:03
